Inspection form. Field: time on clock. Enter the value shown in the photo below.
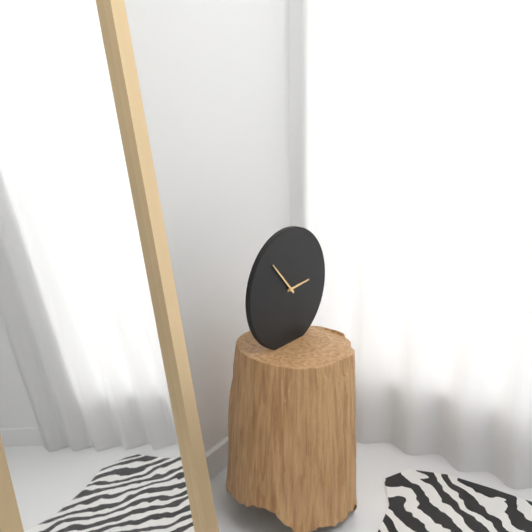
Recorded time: 2:53
